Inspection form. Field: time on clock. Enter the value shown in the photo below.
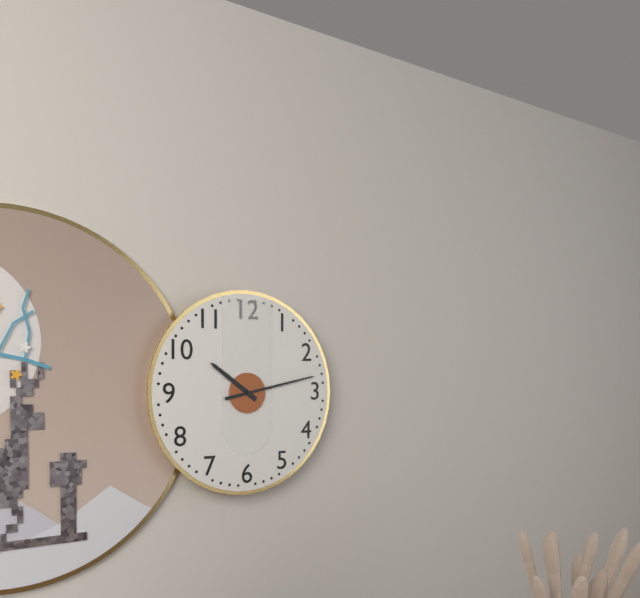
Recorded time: 10:13
